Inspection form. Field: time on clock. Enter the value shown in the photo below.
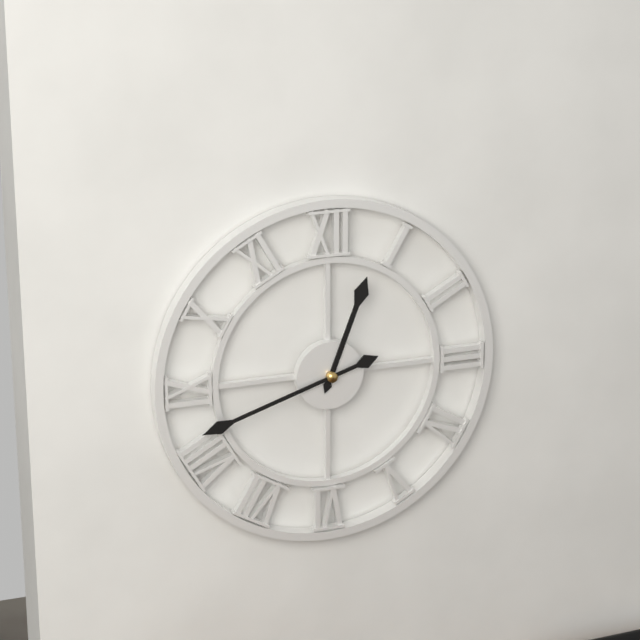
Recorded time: 12:42
